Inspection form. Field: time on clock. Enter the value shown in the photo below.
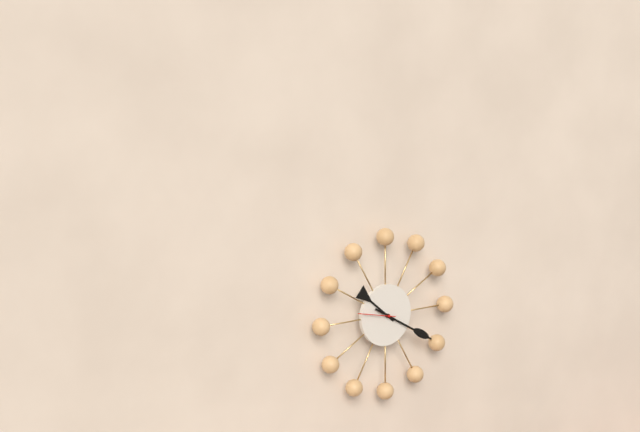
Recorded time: 10:20
